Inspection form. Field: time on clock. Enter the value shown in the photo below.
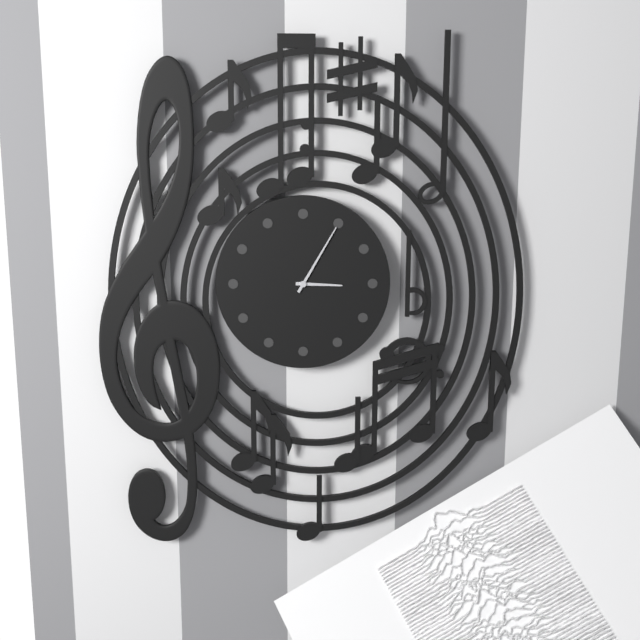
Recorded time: 3:05
